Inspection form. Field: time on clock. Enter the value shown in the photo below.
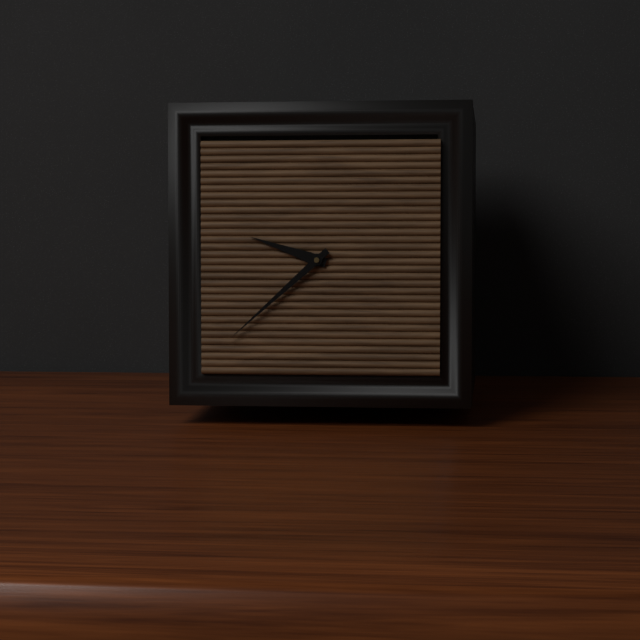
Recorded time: 9:38
